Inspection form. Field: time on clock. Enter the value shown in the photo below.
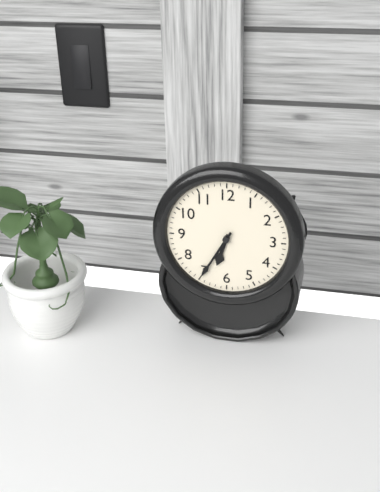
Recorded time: 6:35
